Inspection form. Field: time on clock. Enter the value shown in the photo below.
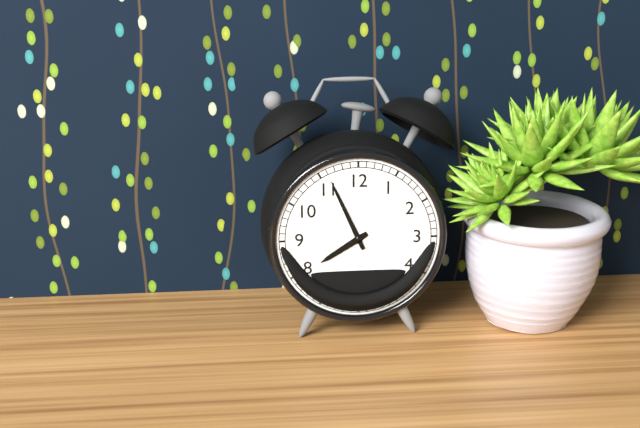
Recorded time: 7:56
